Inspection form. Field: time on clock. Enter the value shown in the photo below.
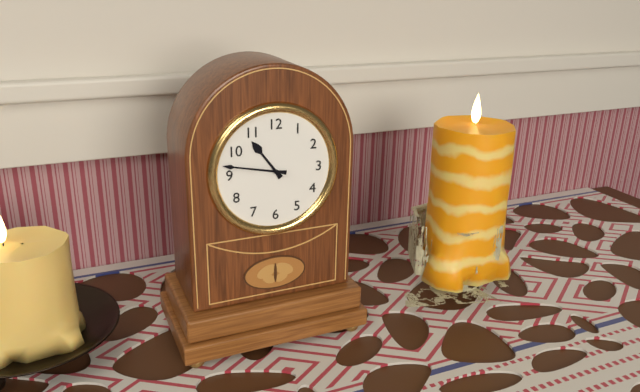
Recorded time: 10:47
